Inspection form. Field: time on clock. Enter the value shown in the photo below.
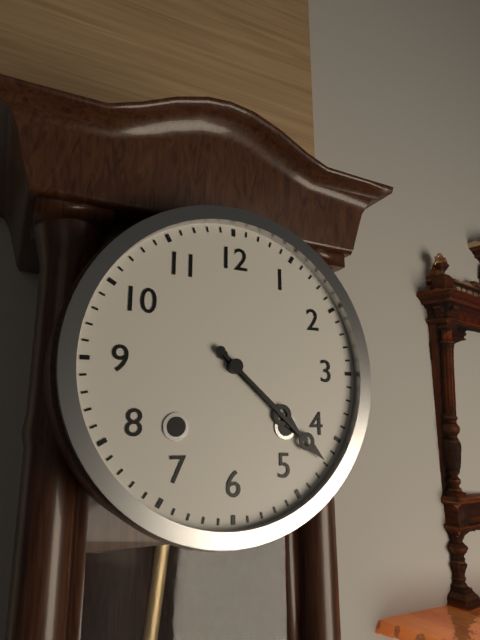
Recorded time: 4:22
